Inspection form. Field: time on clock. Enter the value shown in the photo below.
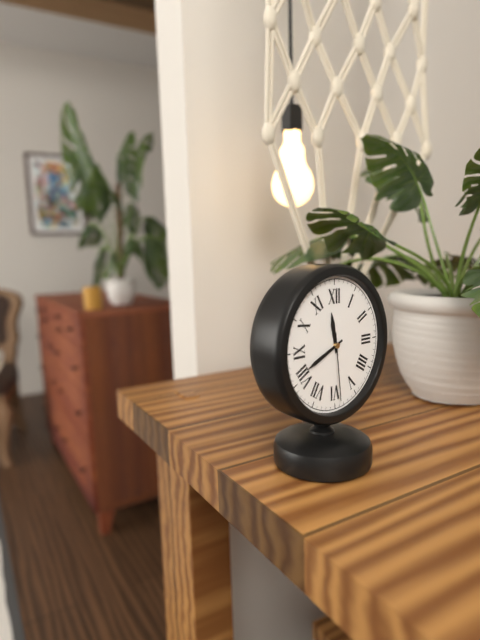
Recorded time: 11:41:29
